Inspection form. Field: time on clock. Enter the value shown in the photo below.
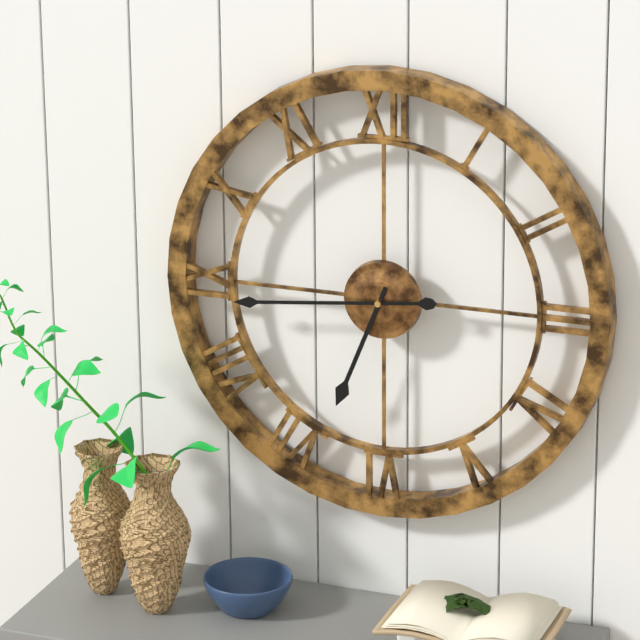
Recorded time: 6:44
